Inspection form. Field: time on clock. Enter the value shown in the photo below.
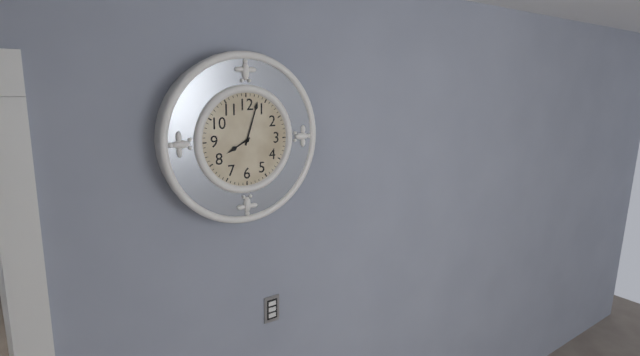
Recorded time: 8:03
